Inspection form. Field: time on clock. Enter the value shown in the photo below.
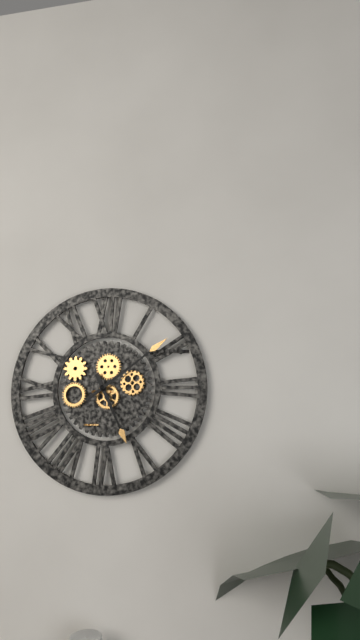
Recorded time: 5:09
